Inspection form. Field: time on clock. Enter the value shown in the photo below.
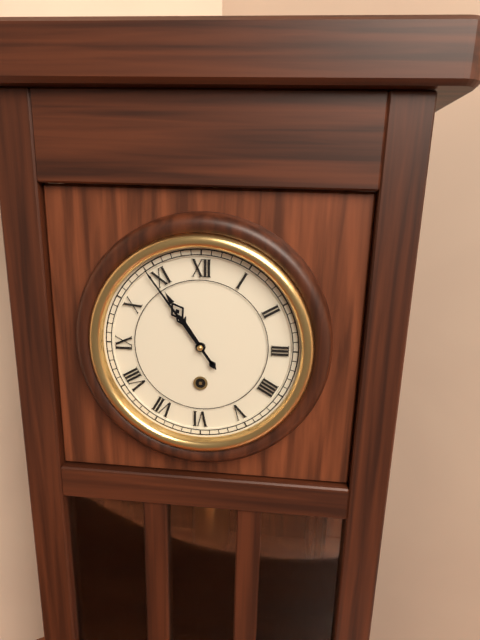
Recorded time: 10:54
